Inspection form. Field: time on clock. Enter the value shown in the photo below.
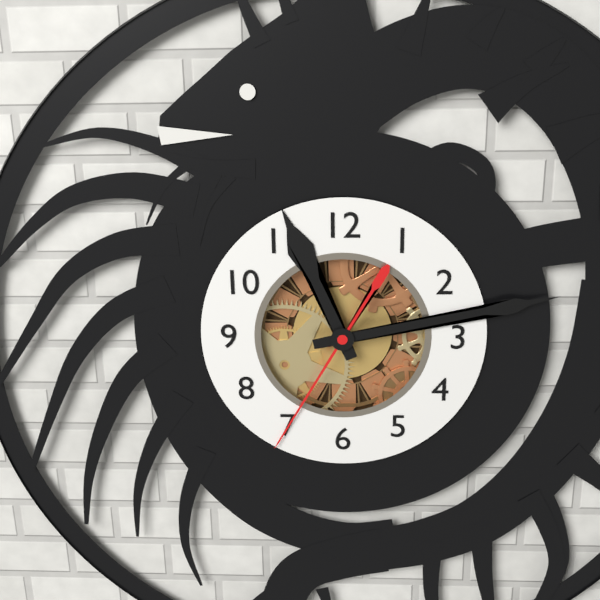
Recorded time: 11:13:35
